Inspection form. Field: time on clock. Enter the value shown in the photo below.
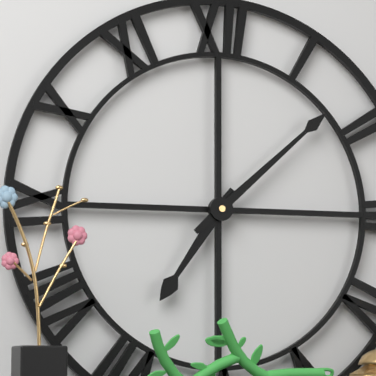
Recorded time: 7:08
